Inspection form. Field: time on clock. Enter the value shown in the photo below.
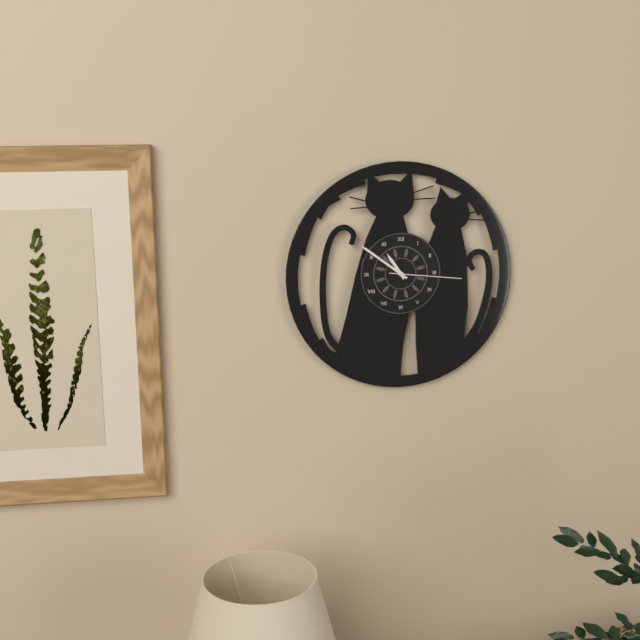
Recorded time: 10:51:16
